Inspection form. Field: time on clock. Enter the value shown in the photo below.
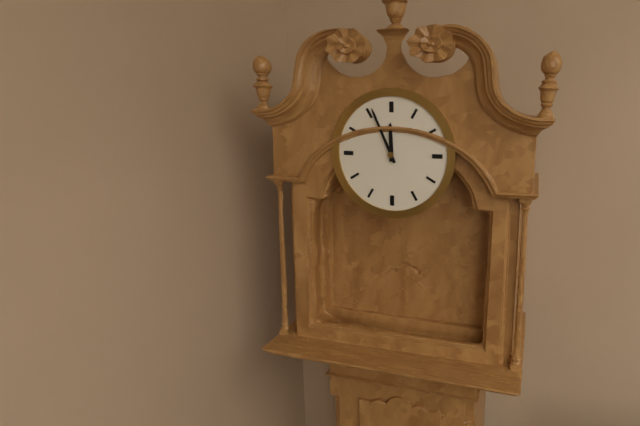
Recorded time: 11:56
